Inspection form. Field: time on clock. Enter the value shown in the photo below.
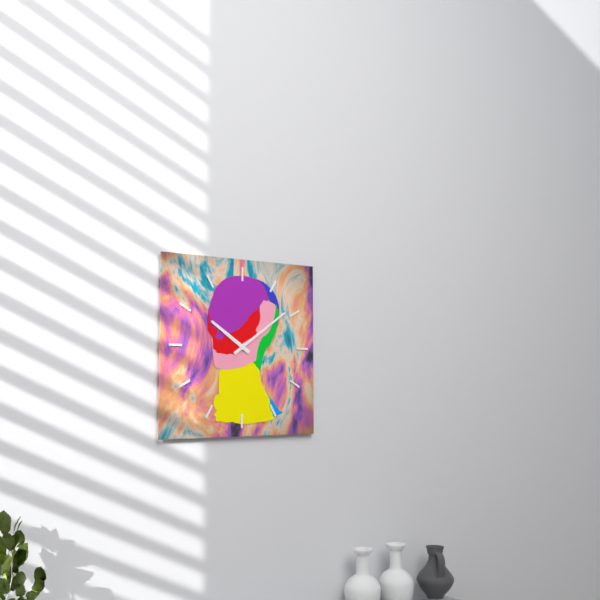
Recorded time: 10:09
